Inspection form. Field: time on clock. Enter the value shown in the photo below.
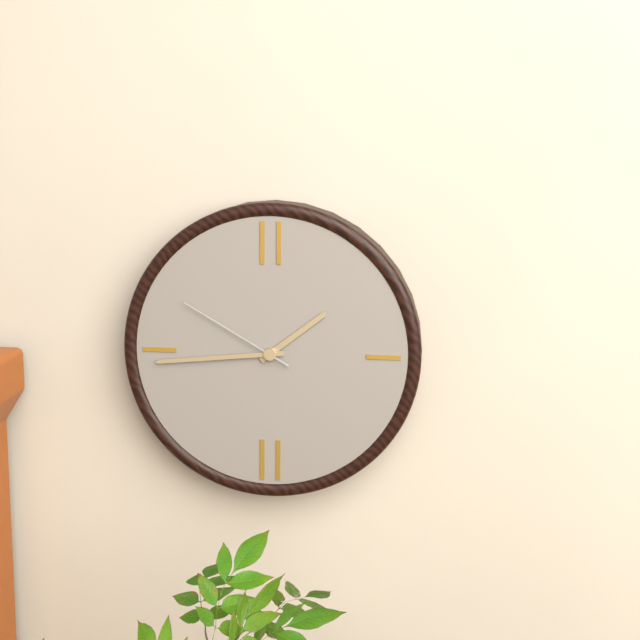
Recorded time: 1:44:50
